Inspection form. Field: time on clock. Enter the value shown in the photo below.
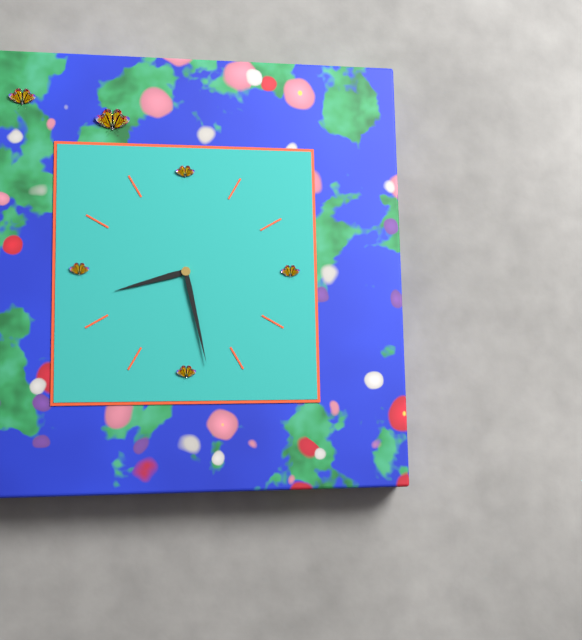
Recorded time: 8:28
